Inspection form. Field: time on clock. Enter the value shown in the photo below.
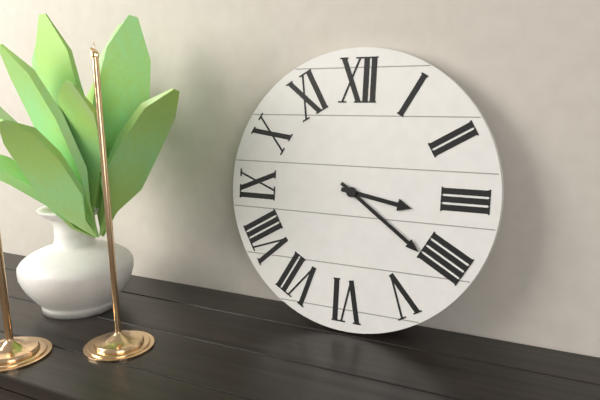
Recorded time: 3:21
